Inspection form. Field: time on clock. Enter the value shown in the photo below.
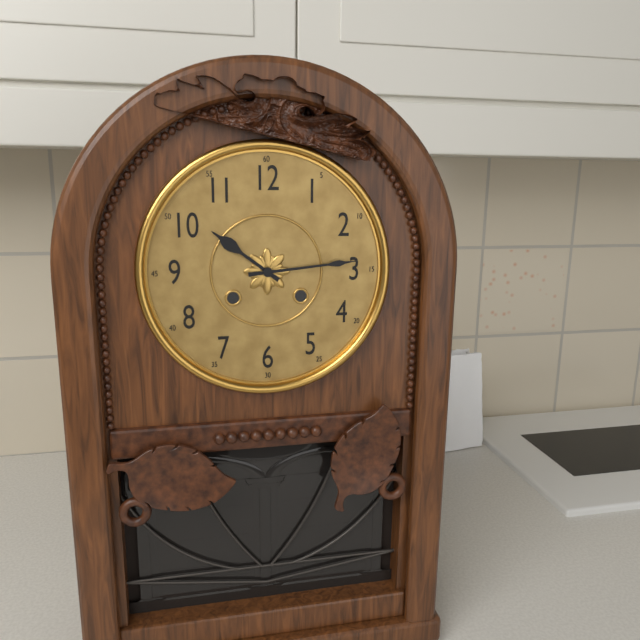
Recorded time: 10:14
